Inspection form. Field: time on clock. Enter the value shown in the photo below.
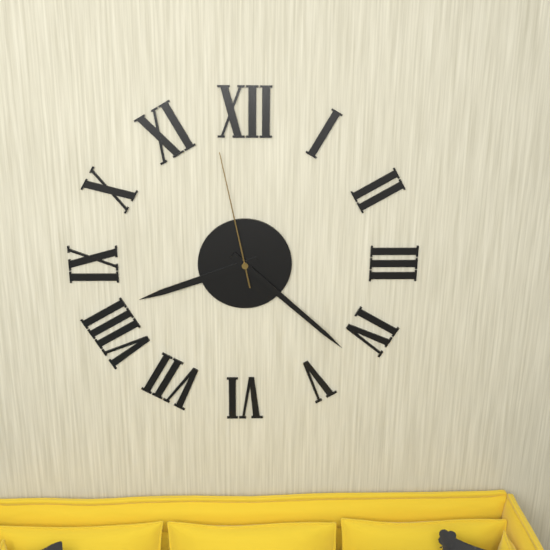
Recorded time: 8:22:58
